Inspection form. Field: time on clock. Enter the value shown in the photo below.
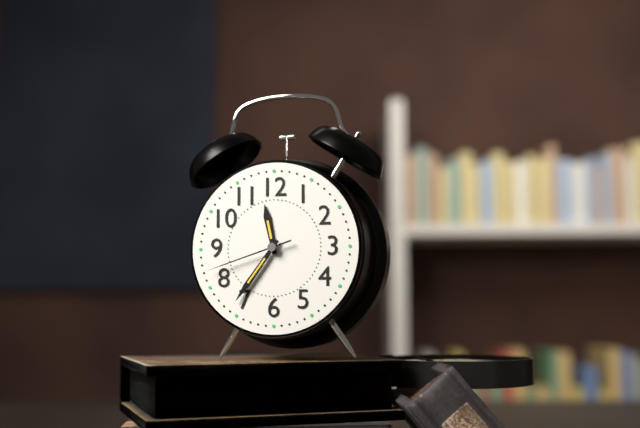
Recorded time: 11:36:42
